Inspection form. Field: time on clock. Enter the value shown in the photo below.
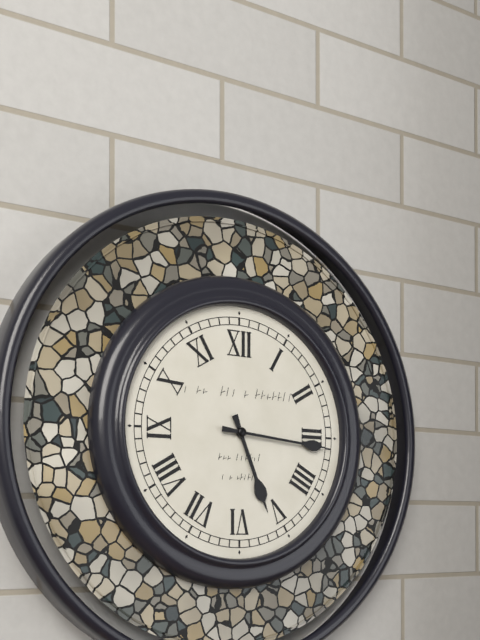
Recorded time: 5:16
